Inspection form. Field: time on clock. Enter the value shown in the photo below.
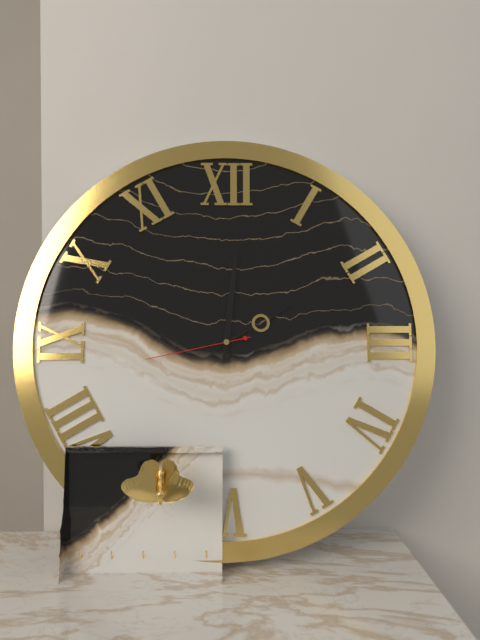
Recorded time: 2:01:43
